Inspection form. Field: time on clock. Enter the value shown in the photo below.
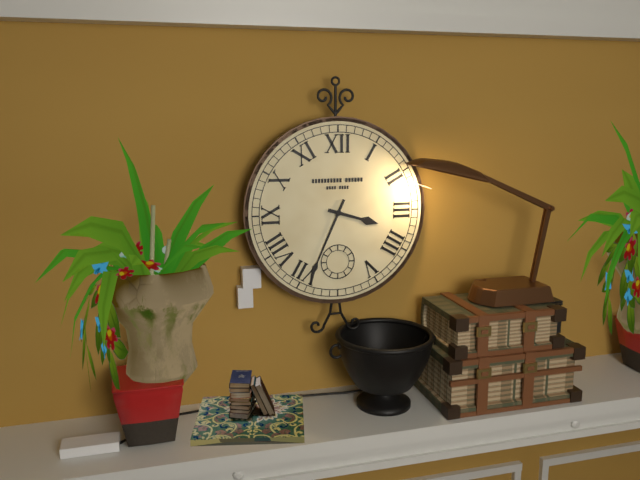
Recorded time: 3:34
